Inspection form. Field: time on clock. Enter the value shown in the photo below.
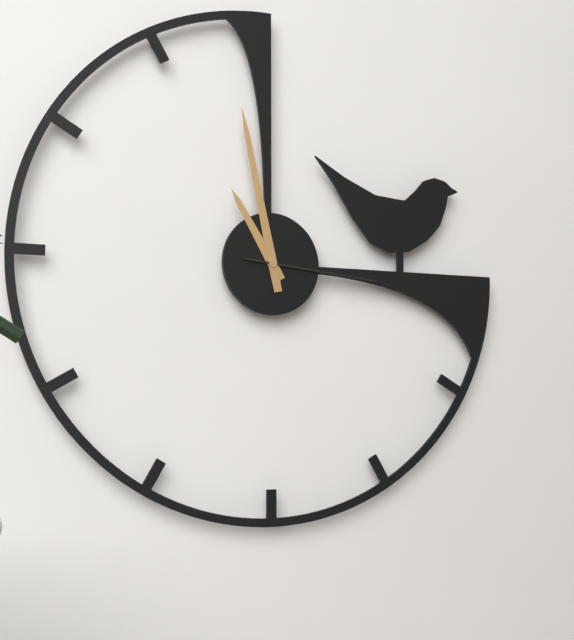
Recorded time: 10:58:16
